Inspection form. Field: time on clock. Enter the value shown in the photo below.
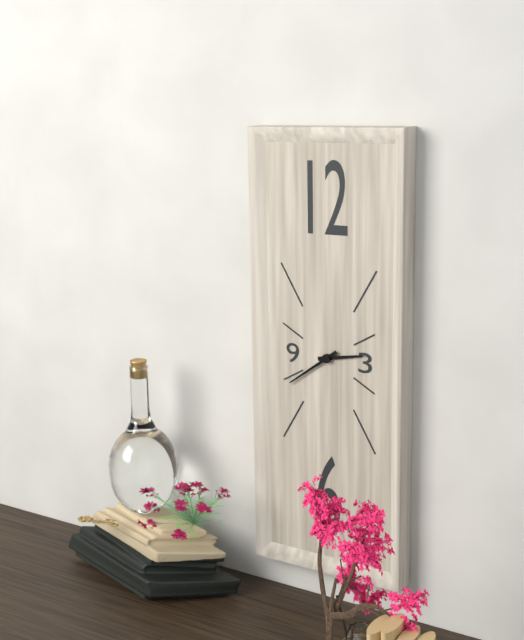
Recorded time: 2:39
